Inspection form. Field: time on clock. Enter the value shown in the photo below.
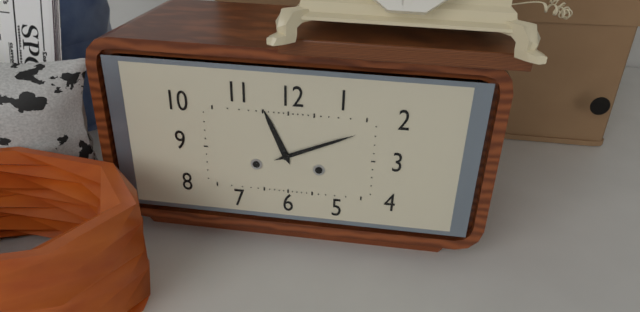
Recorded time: 11:11
